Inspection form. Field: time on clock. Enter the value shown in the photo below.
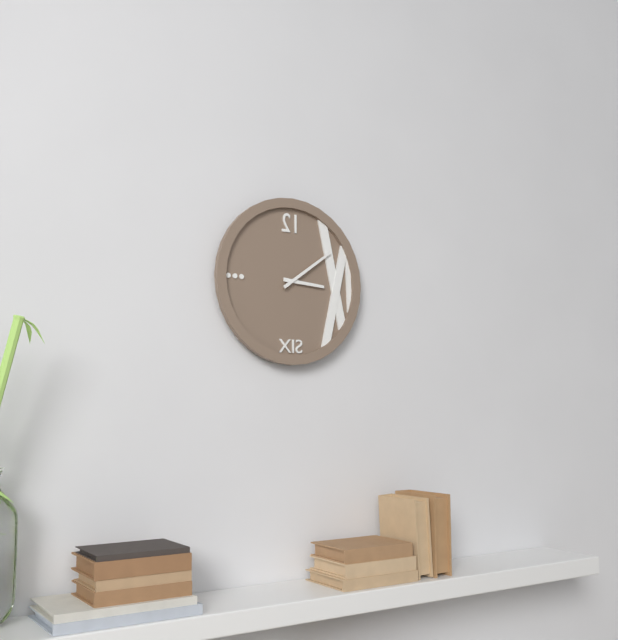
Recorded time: 3:09
